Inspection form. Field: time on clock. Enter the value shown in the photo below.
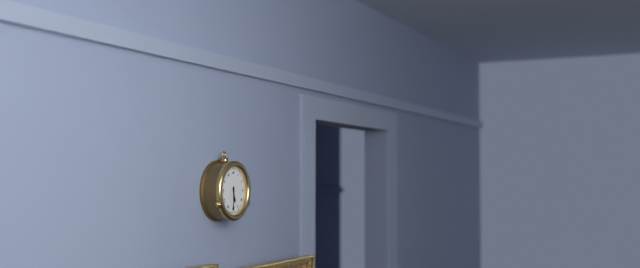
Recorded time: 5:30
